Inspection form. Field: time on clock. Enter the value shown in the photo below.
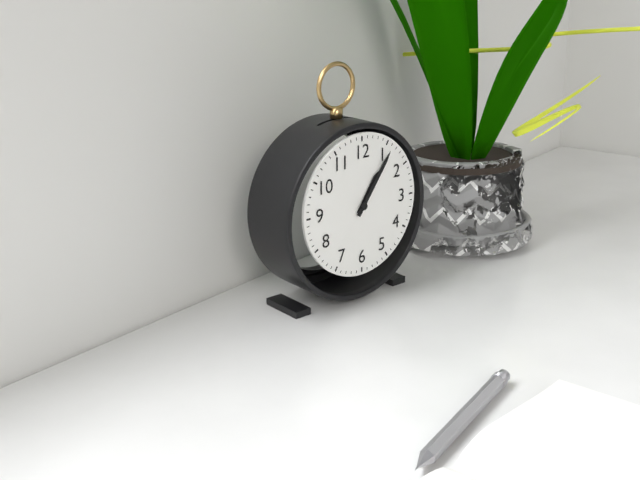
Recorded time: 1:06
